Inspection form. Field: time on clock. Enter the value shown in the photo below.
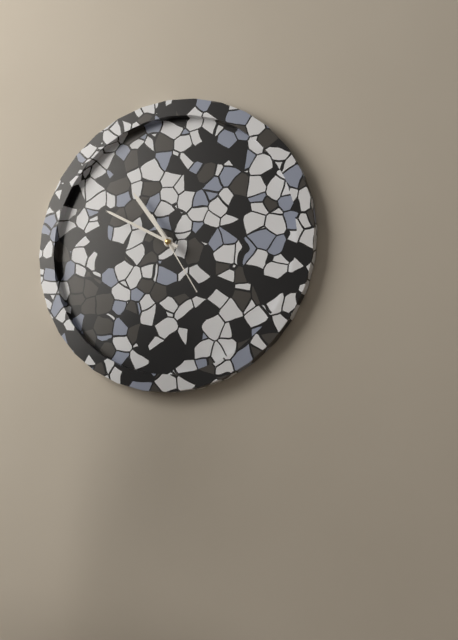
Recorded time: 10:50:25
